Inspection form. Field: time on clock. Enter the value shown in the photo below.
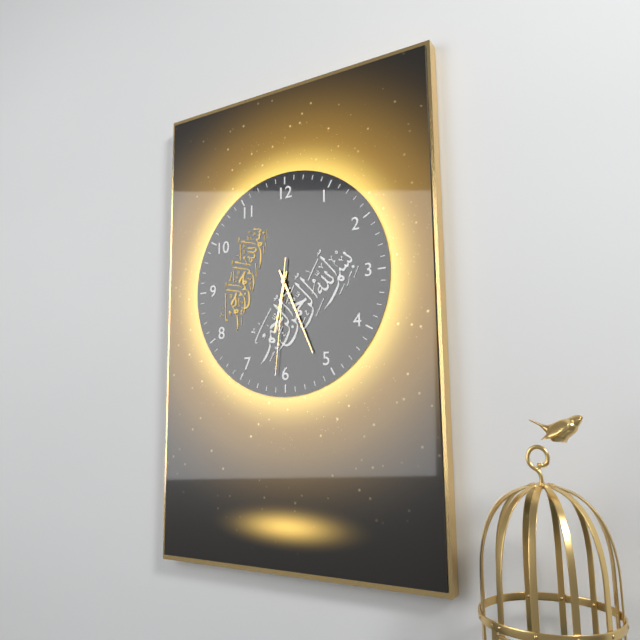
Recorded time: 6:26:31
